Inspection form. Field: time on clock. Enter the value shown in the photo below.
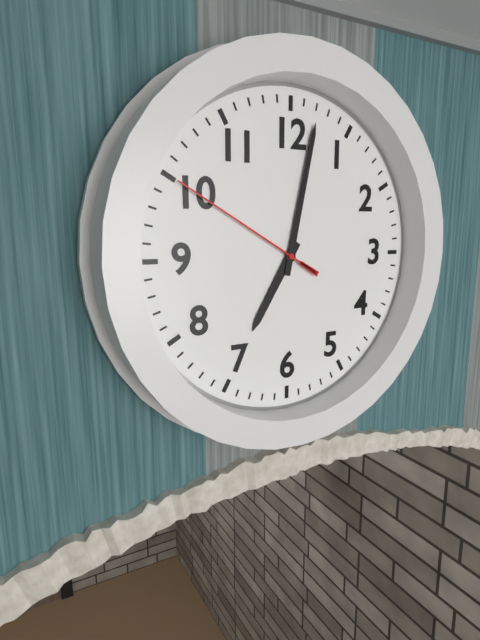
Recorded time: 7:02:50
